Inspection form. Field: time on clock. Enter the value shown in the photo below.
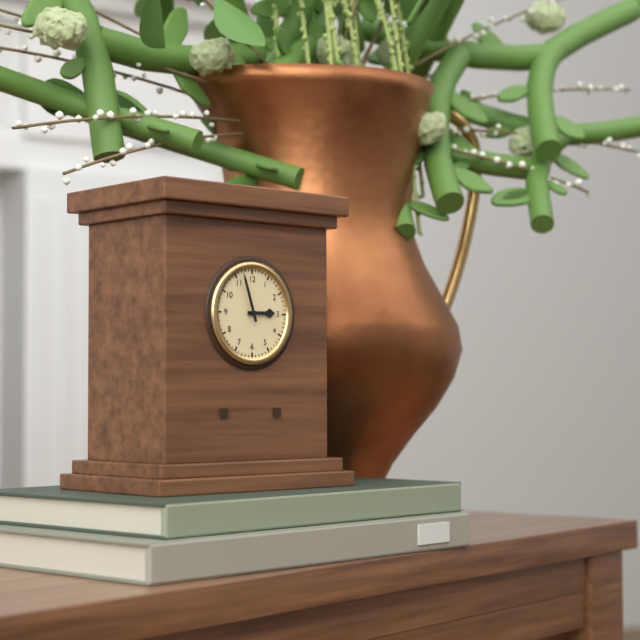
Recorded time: 2:57
